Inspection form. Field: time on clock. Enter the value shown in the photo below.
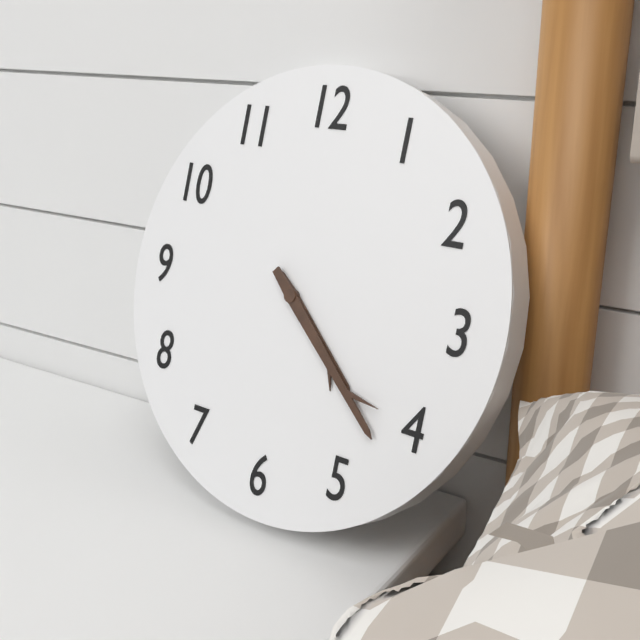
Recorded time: 4:22
